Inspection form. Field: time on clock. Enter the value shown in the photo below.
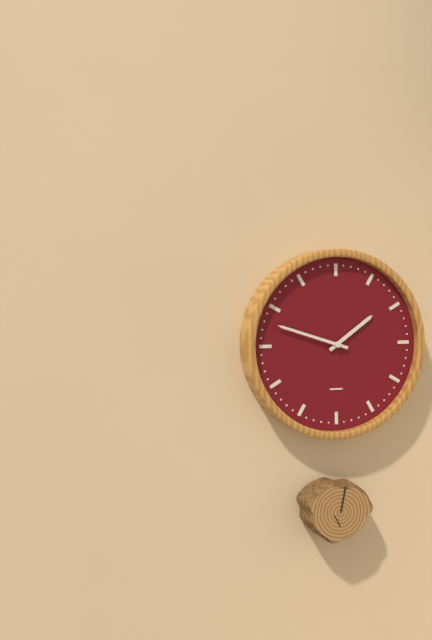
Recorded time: 1:48
